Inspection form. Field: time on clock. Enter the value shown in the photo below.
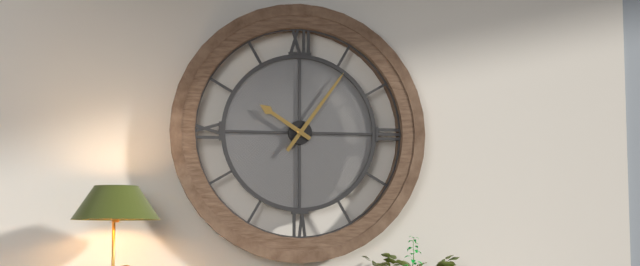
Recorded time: 10:06
